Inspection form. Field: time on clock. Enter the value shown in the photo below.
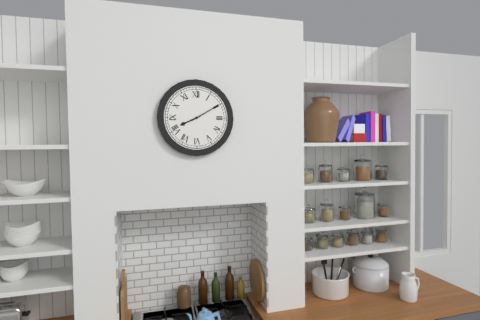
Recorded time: 8:10
